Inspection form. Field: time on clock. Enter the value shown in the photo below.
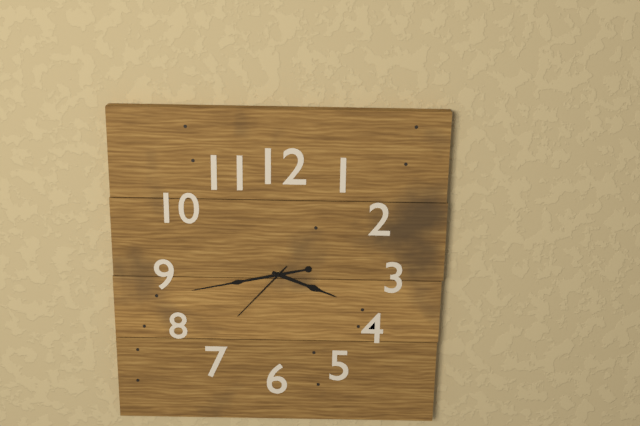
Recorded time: 3:43:37
